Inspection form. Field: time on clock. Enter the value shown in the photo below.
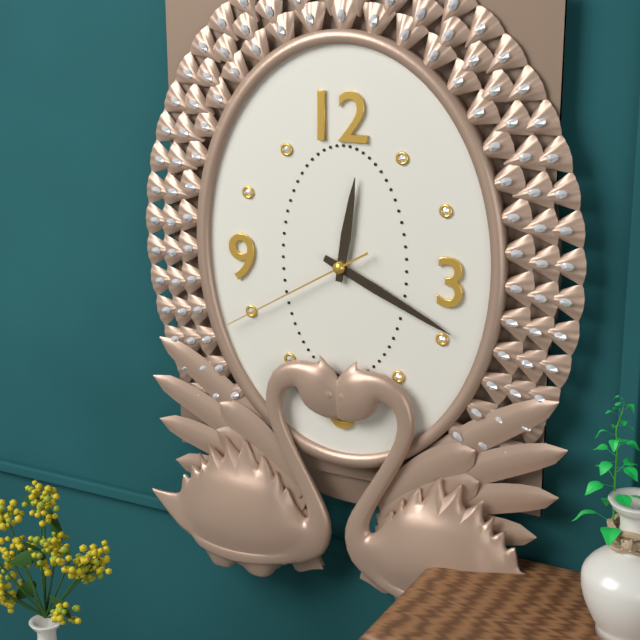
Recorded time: 12:19:40
